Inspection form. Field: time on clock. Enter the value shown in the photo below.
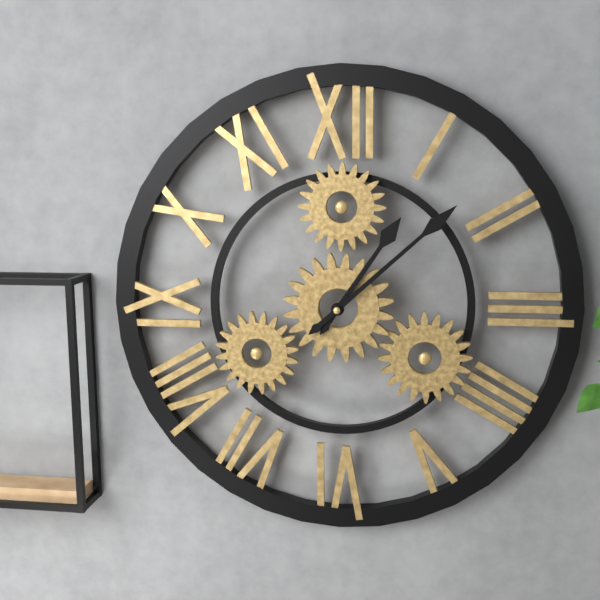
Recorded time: 1:08
